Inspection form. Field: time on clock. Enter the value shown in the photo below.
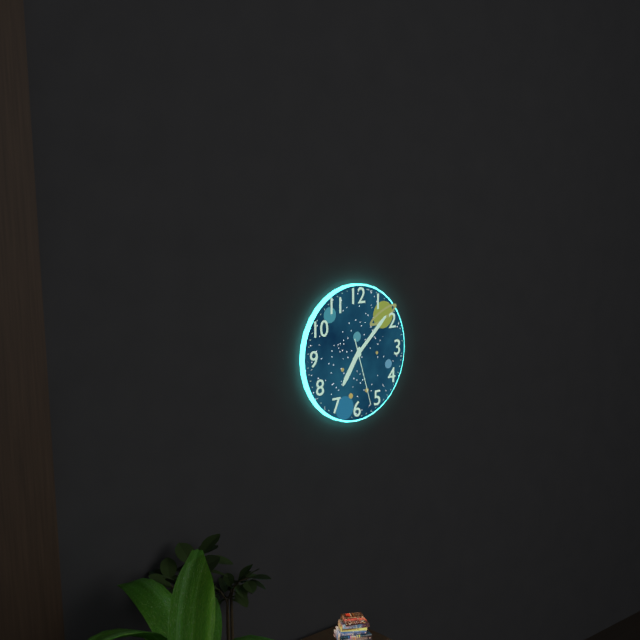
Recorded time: 7:08:27
